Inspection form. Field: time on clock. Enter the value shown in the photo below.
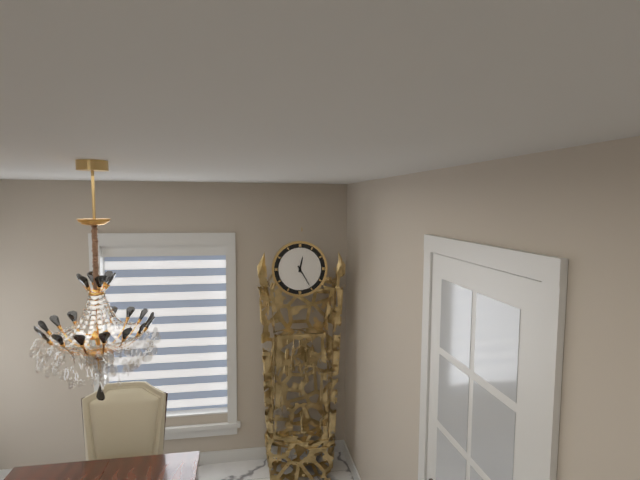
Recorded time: 12:25
